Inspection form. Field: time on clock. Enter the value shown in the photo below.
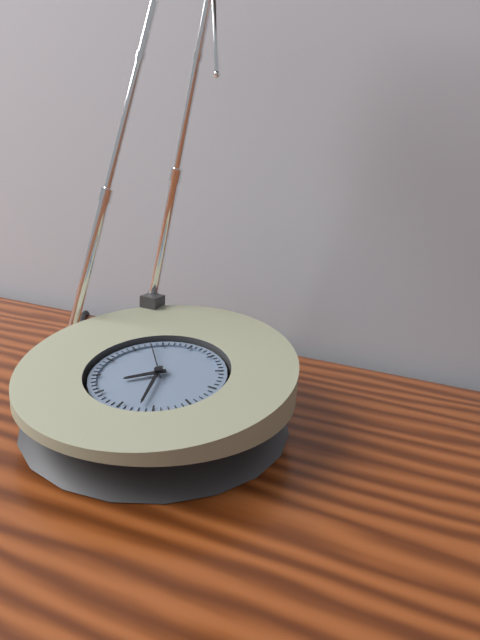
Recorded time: 7:27
